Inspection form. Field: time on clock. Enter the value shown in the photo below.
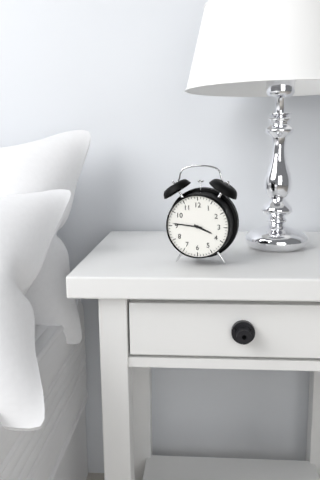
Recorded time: 3:46
